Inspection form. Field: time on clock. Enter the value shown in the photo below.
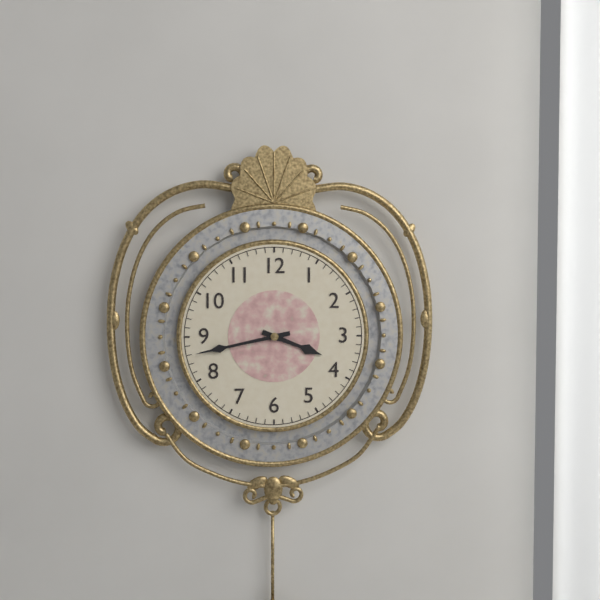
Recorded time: 3:43
